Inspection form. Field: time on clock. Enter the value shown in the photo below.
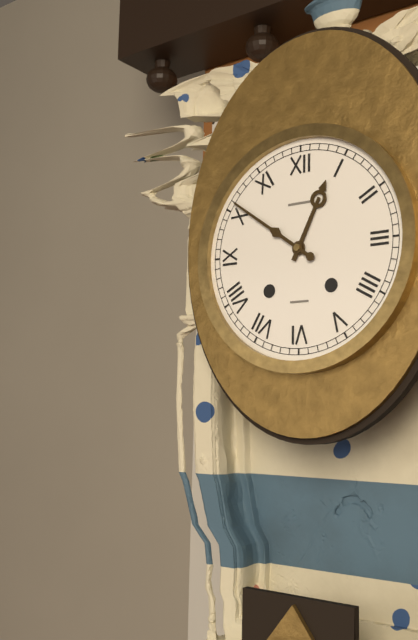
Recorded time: 12:51
